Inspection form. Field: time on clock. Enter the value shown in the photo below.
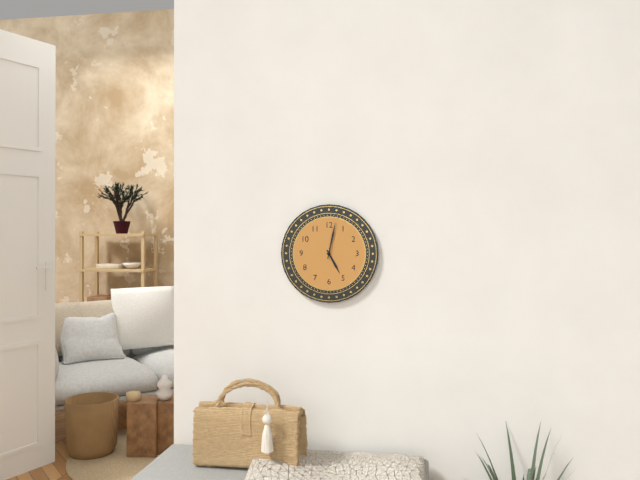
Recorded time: 5:02
